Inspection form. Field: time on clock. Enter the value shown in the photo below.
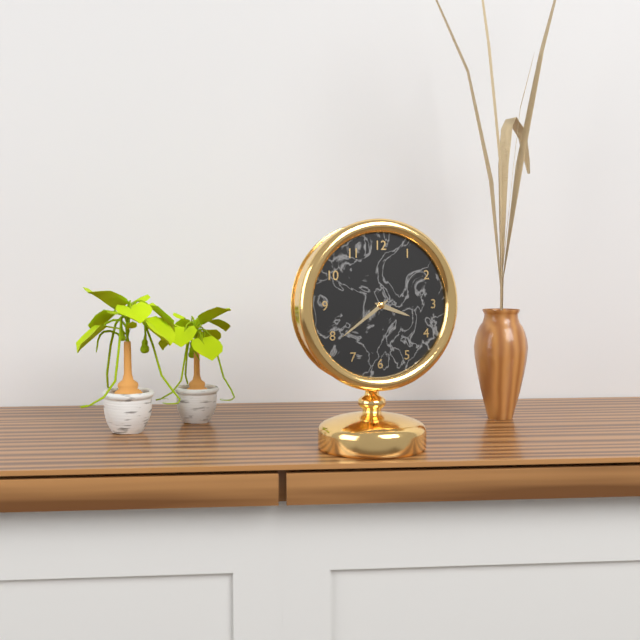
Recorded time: 3:39
